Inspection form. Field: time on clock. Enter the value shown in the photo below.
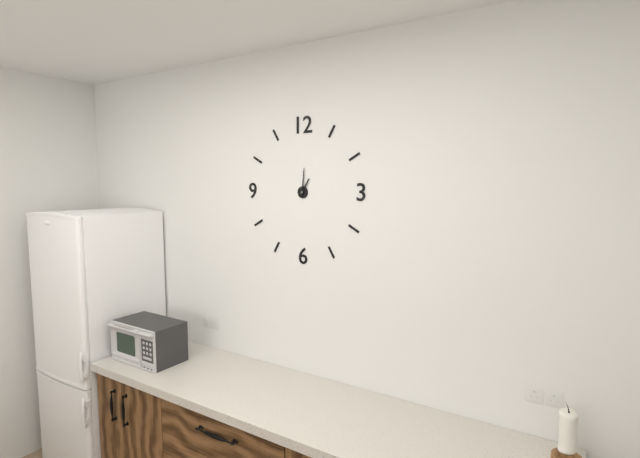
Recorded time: 1:01
